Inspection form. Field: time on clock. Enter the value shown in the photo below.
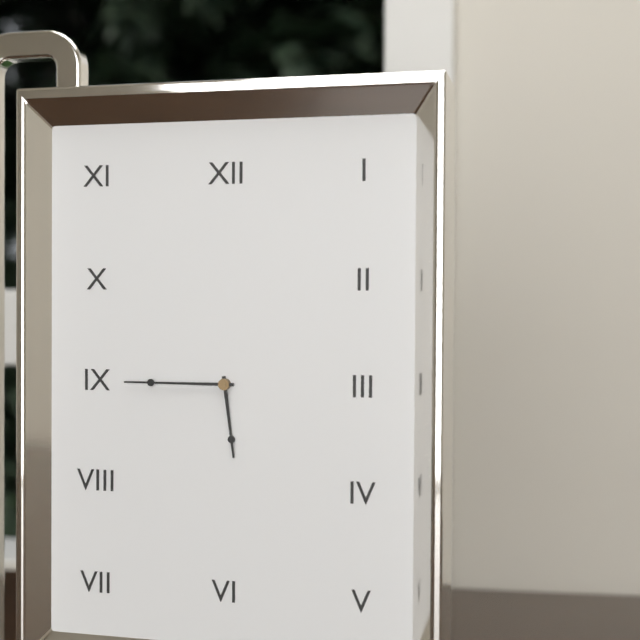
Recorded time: 5:45
